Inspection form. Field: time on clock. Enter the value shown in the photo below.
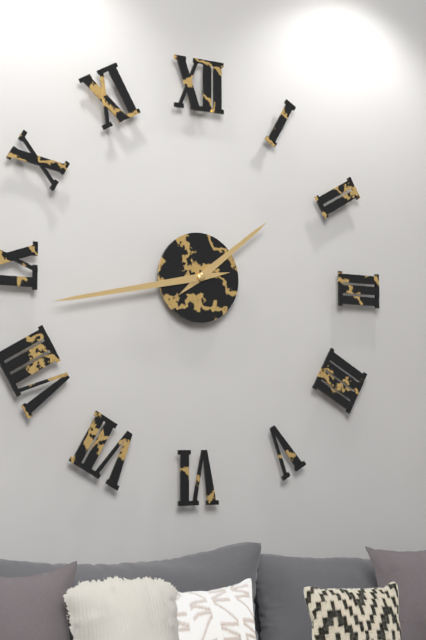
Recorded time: 1:43
